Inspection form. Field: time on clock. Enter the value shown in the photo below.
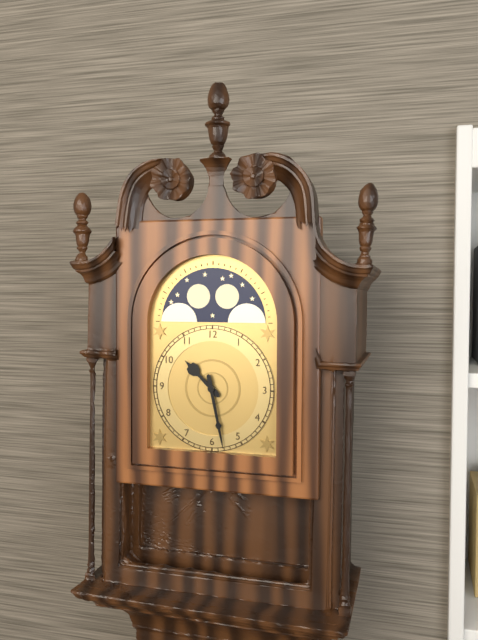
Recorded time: 10:28
